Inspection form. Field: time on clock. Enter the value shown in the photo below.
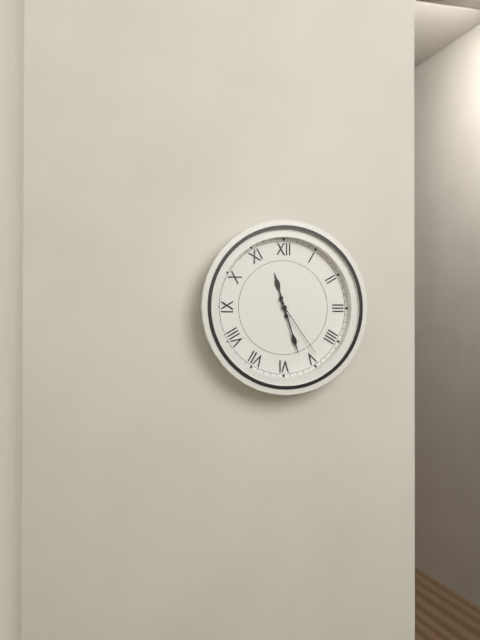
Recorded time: 11:27:24
